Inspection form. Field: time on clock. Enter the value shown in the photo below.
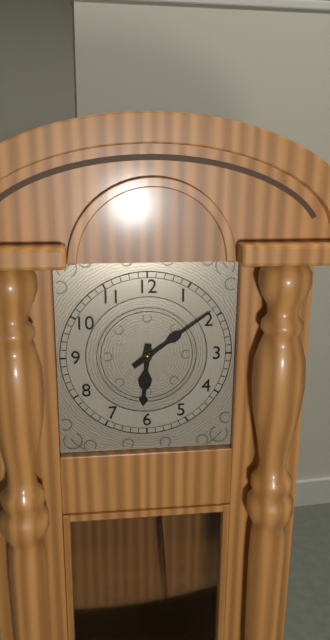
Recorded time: 6:09
